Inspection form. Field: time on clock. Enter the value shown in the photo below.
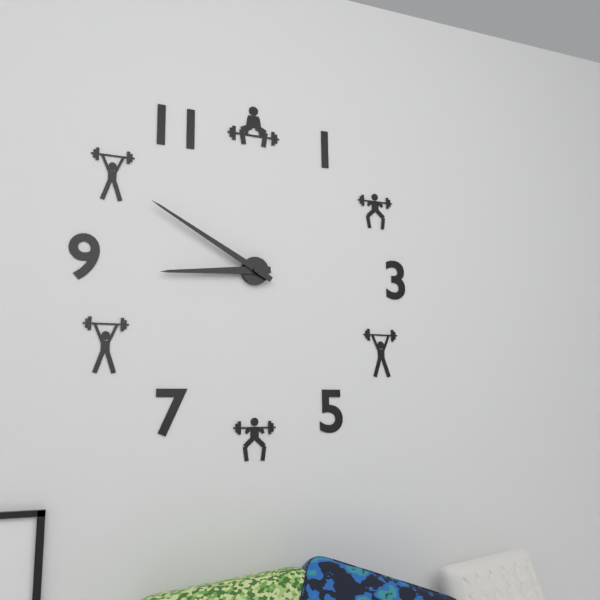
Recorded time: 8:50
